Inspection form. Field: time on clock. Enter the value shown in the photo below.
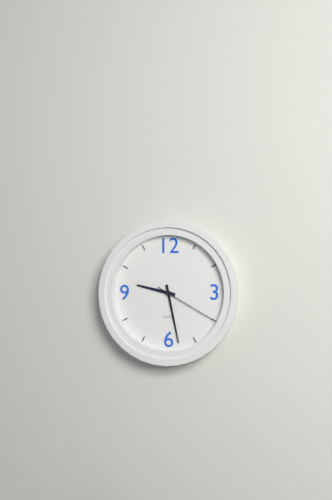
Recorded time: 9:28:20
